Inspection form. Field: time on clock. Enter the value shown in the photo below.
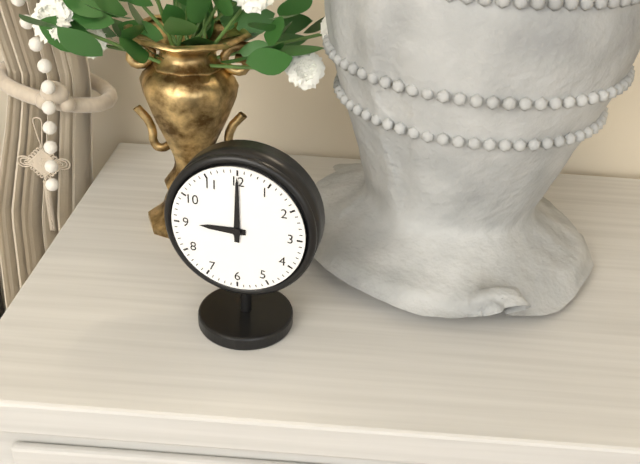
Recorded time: 9:00
